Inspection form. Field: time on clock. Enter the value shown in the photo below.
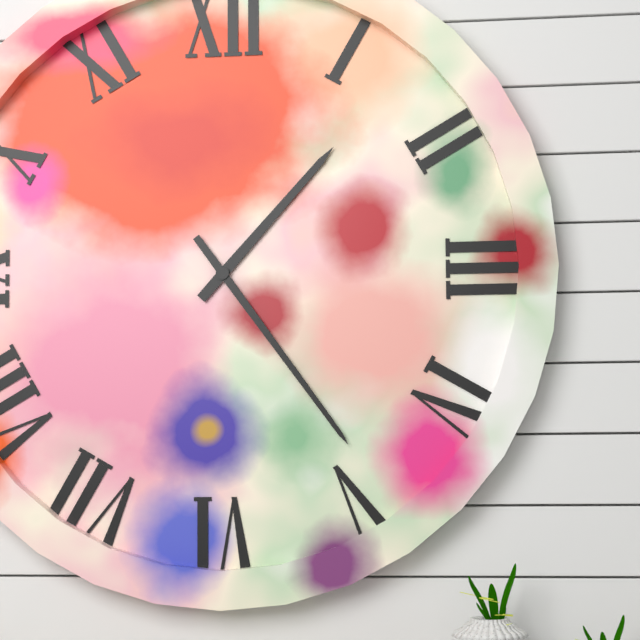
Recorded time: 1:24
